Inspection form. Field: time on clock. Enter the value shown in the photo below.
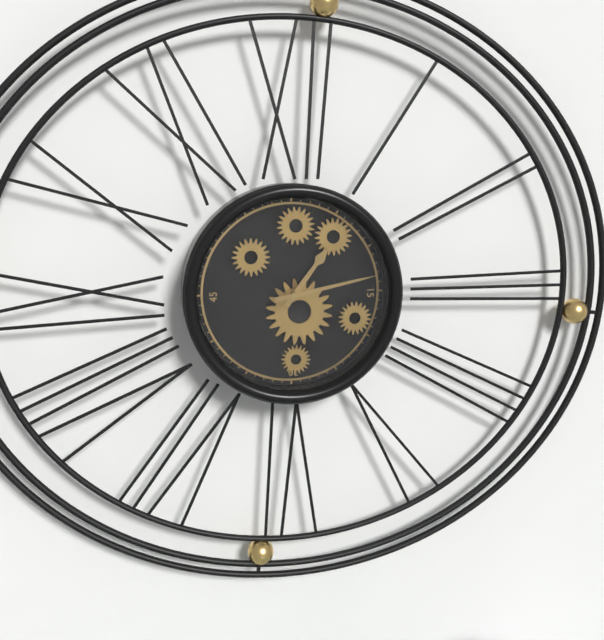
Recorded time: 1:13
